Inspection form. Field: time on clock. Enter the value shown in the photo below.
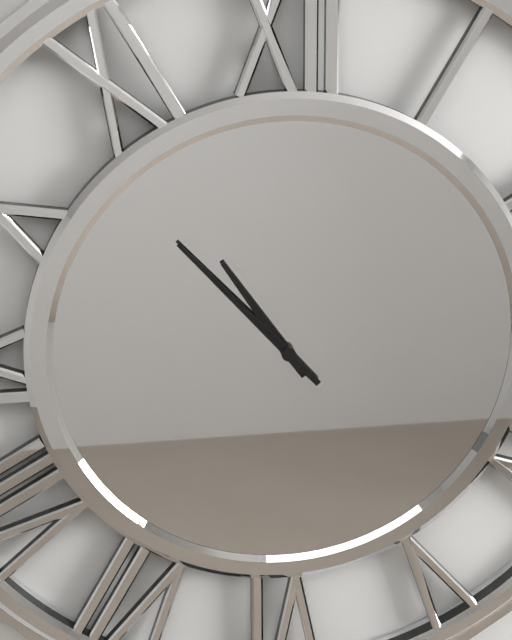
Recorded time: 10:53
